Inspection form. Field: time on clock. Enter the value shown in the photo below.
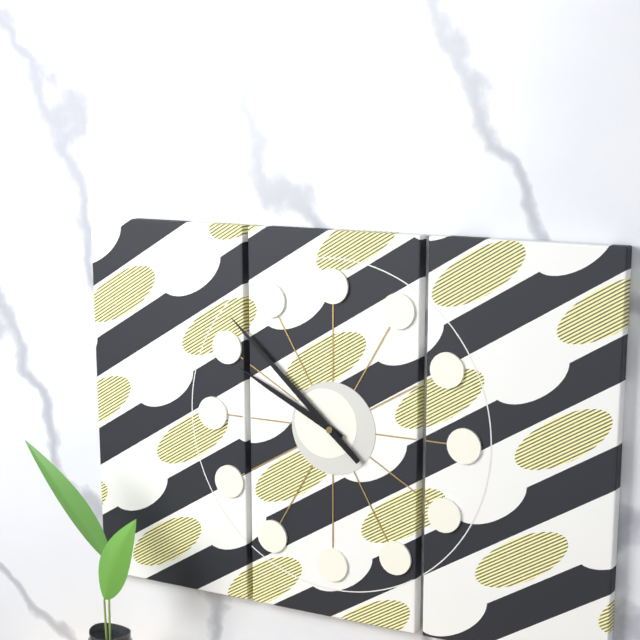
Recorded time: 9:52
